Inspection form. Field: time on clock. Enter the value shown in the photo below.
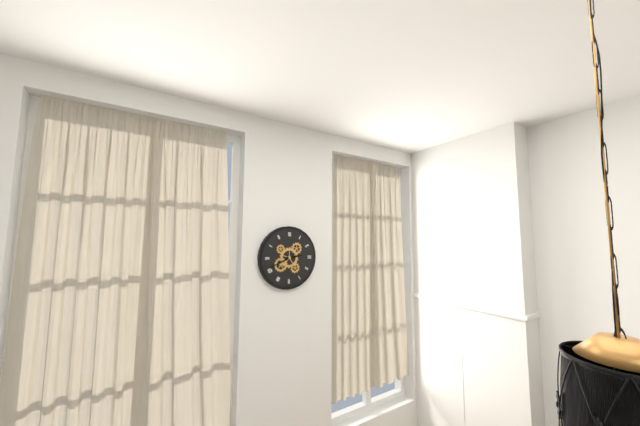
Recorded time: 2:41
